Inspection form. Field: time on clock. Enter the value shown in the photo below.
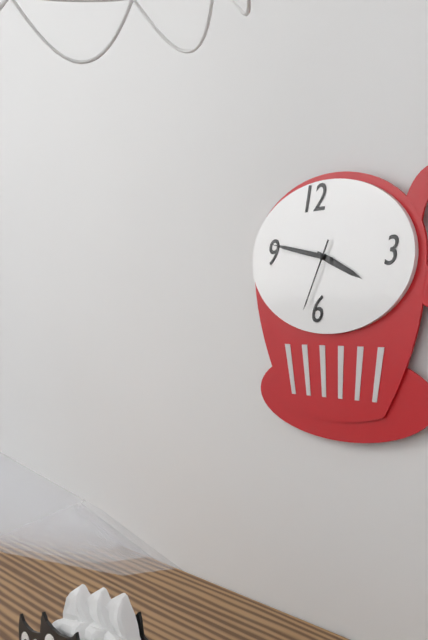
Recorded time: 3:47:35
